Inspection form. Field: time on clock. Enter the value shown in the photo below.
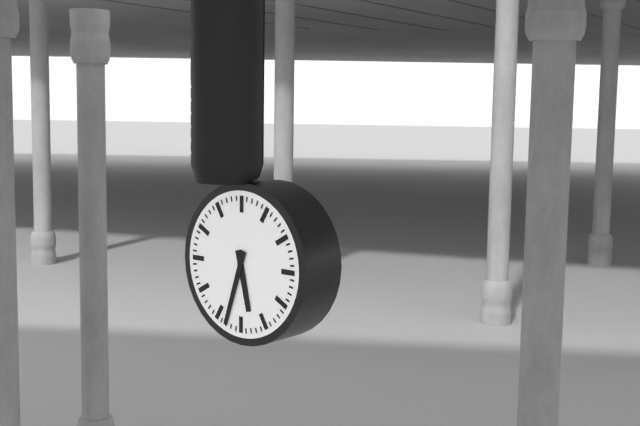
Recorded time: 5:33
